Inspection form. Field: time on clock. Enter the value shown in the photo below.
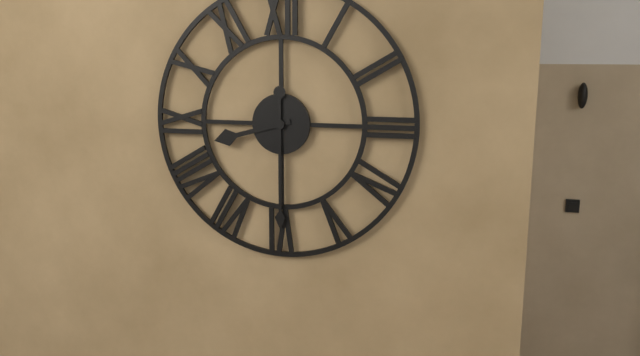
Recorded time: 8:30
